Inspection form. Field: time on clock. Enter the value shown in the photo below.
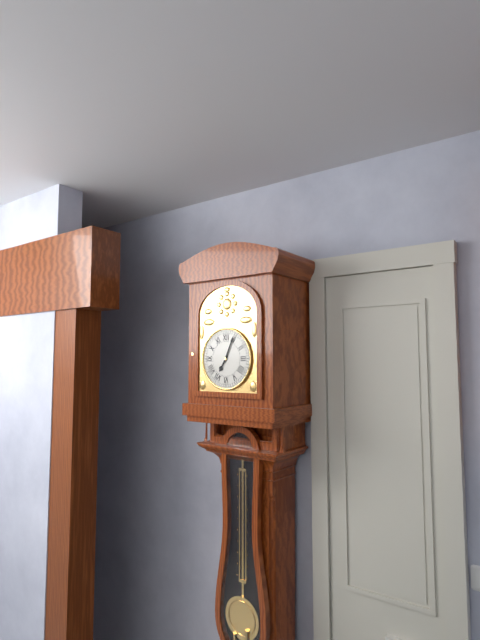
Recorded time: 7:04
